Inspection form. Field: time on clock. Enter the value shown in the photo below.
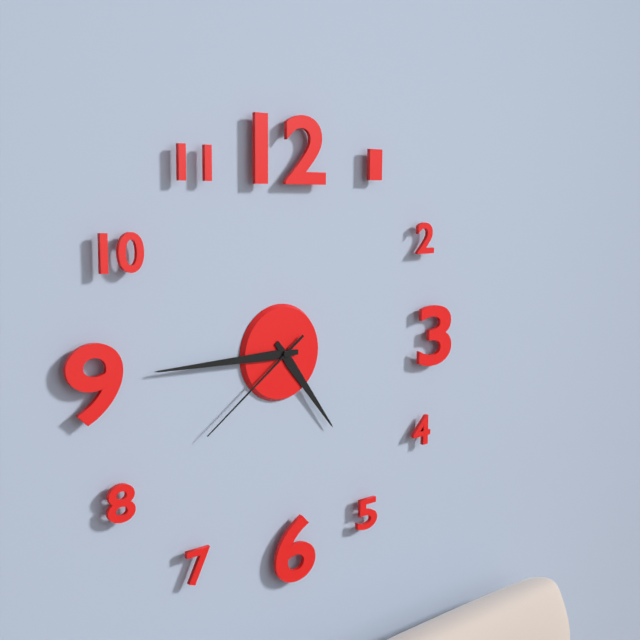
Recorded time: 4:45:39
